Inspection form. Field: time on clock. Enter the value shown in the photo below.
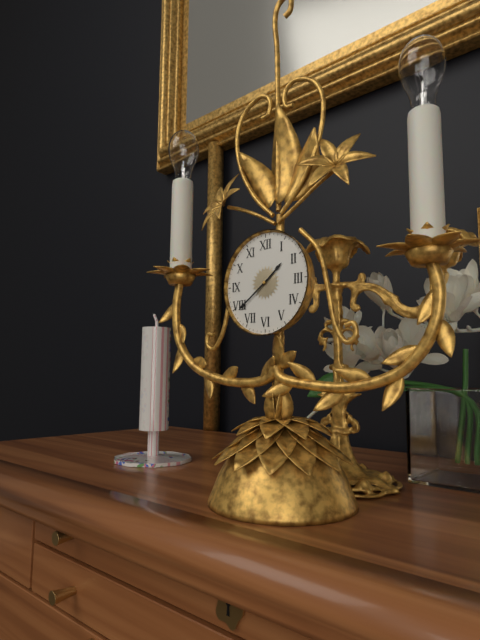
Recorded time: 1:39
